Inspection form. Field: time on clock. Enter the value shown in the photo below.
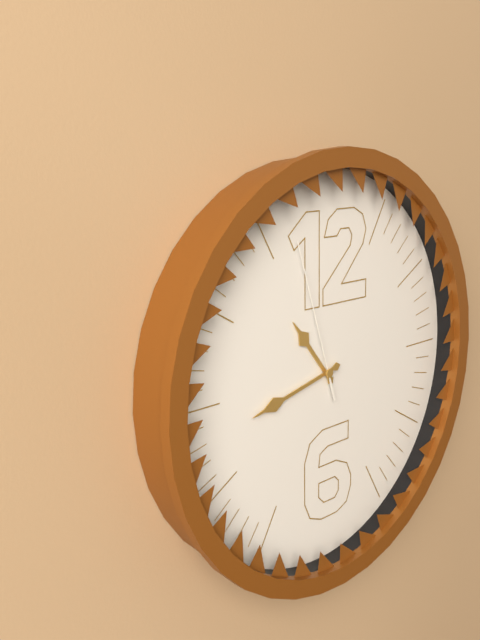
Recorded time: 10:43:57
